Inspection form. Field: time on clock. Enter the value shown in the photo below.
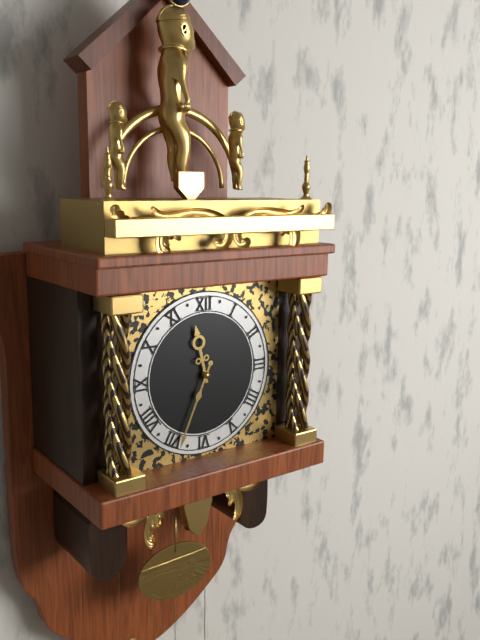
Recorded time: 11:34
